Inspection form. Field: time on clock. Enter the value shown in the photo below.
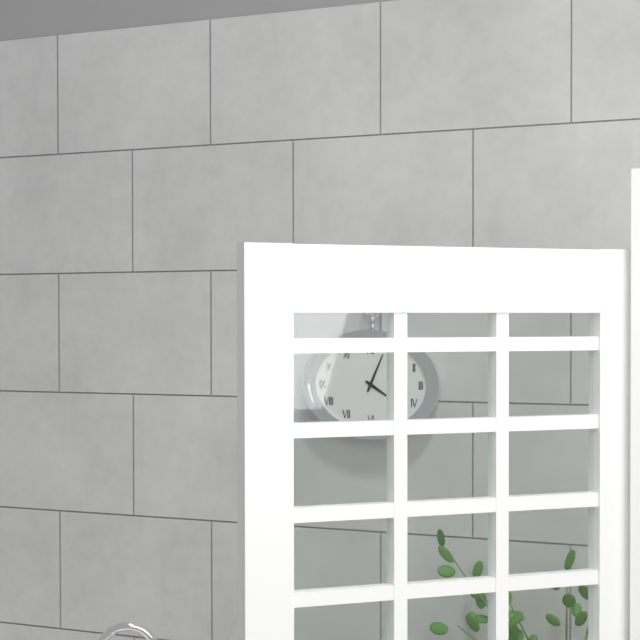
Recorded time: 4:04
